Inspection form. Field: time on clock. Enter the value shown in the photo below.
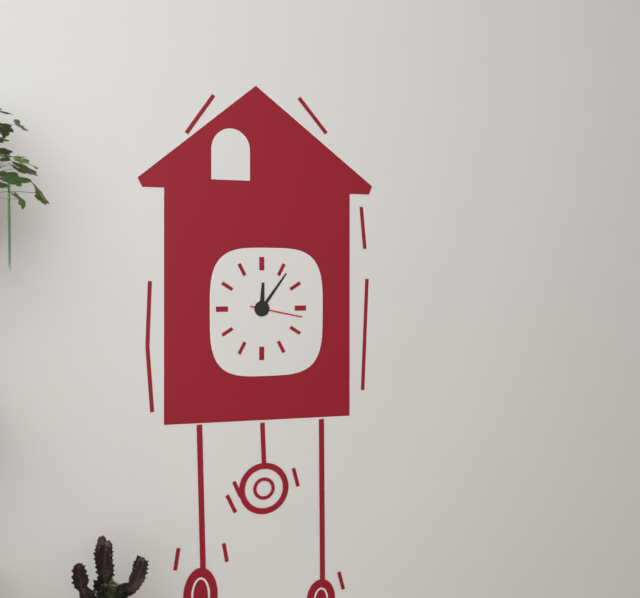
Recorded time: 12:06:17
